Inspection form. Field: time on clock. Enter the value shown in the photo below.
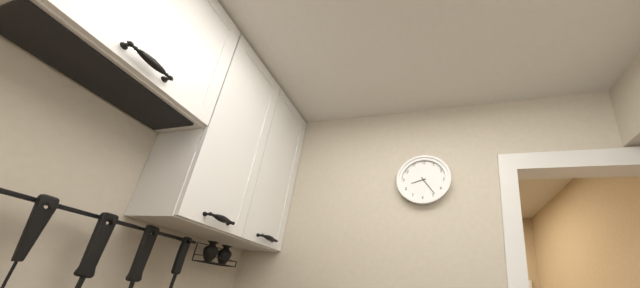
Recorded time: 8:24
